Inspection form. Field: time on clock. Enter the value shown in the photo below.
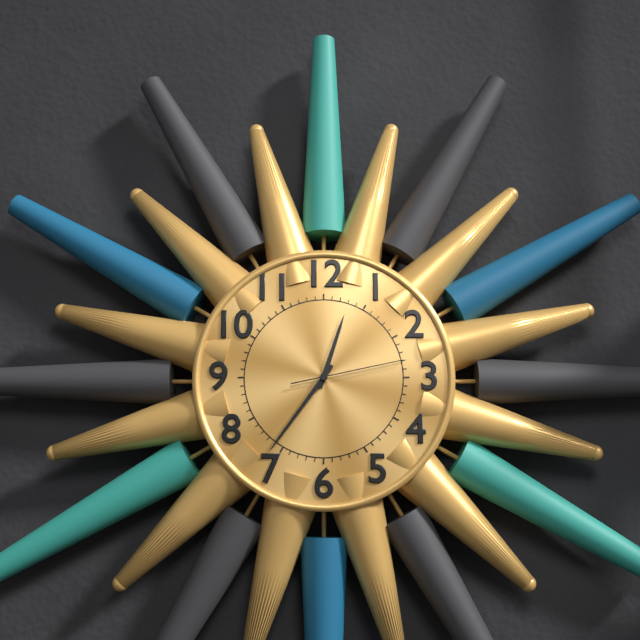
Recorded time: 12:36:13
